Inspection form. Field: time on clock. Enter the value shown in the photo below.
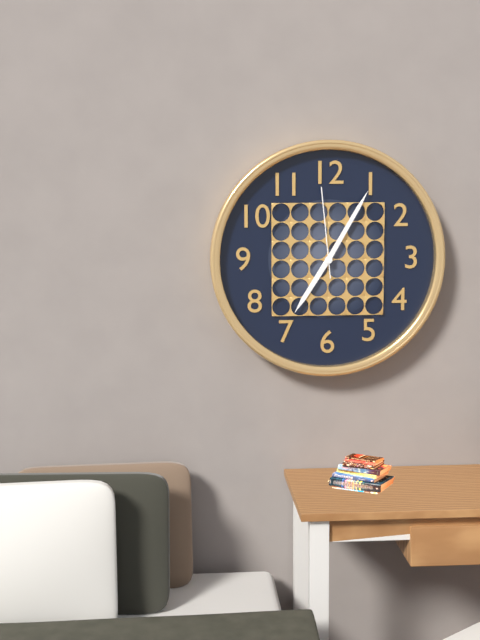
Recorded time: 7:05:59
